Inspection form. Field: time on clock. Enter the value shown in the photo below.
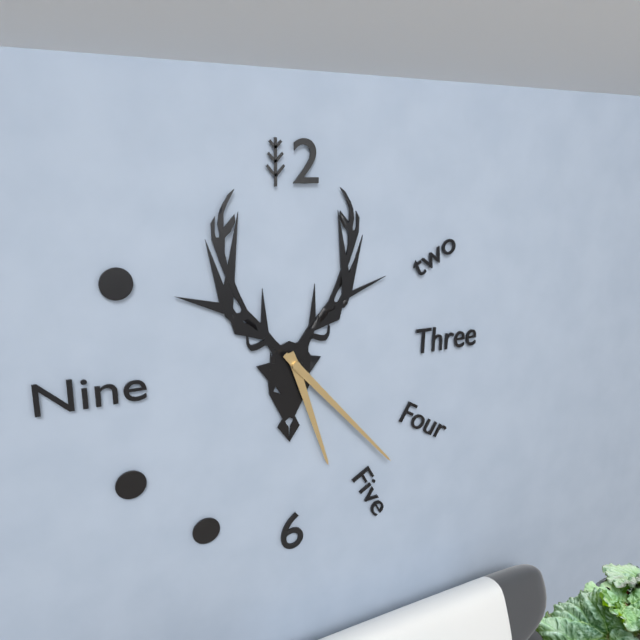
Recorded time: 5:23
